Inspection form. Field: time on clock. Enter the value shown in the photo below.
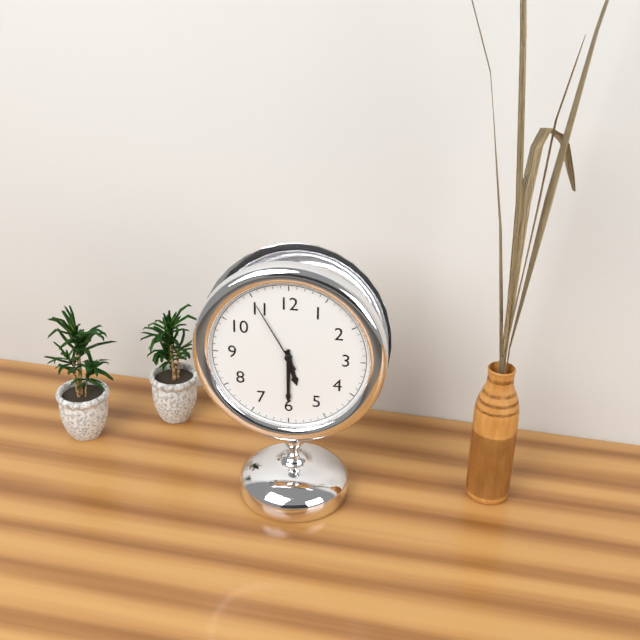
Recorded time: 5:30:55
